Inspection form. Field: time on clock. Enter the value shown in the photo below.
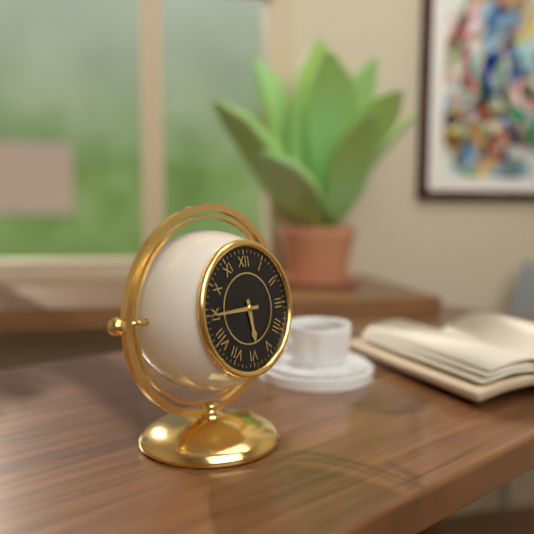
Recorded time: 5:45
